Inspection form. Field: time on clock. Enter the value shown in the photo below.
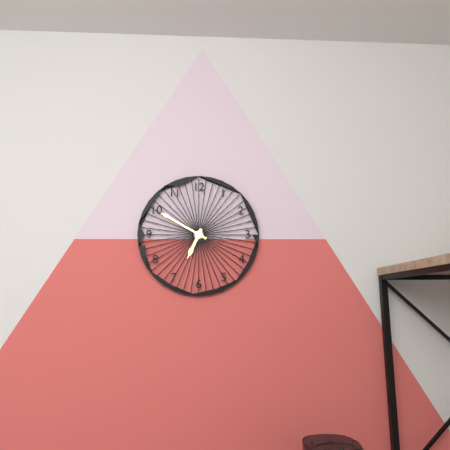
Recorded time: 6:50
